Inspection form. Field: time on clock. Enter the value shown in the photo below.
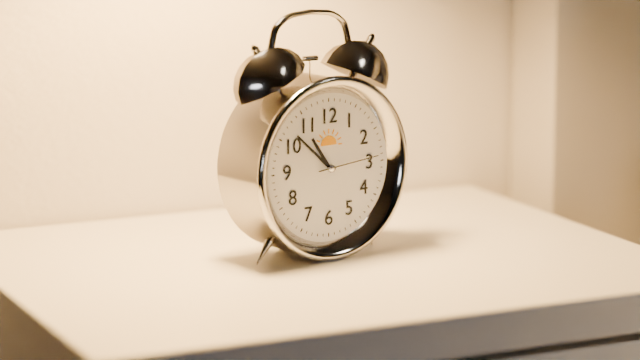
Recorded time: 10:52:14
